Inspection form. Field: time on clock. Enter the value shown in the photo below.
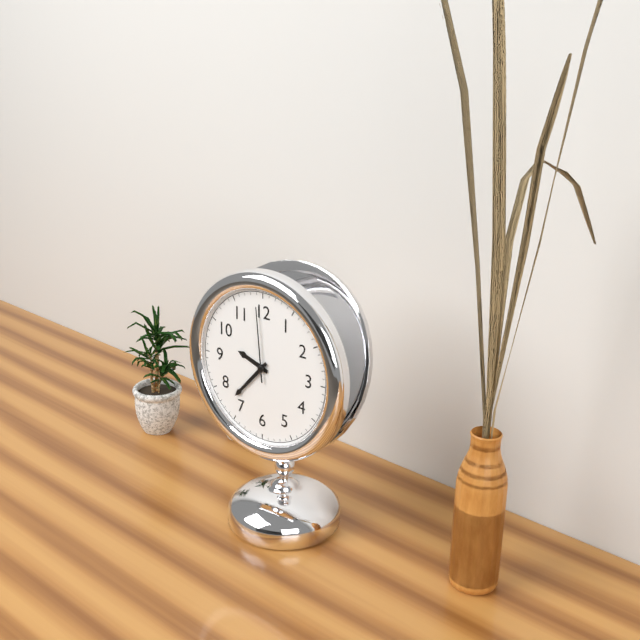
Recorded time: 9:37:59
